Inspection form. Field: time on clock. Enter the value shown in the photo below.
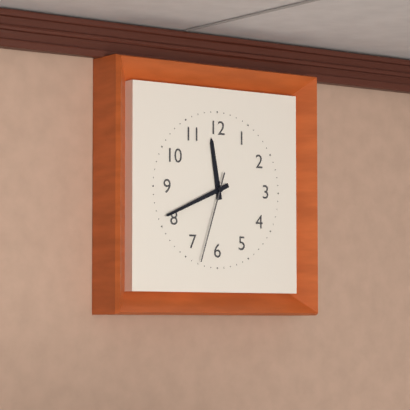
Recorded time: 11:41:33
